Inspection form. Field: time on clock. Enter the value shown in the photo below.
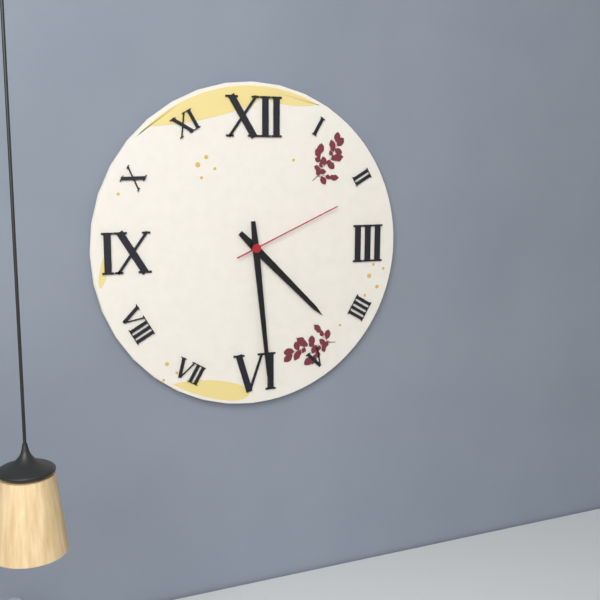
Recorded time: 4:29:11
